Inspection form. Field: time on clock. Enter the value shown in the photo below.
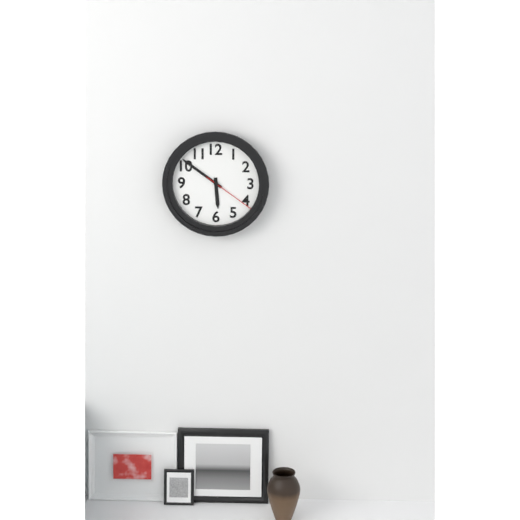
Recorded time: 5:51:21
